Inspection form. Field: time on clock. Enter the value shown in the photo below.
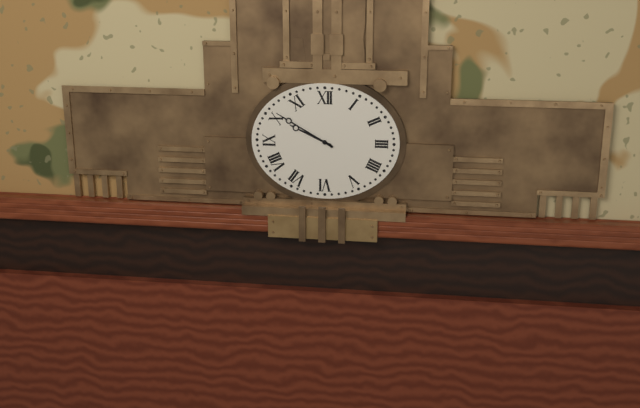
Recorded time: 9:50
